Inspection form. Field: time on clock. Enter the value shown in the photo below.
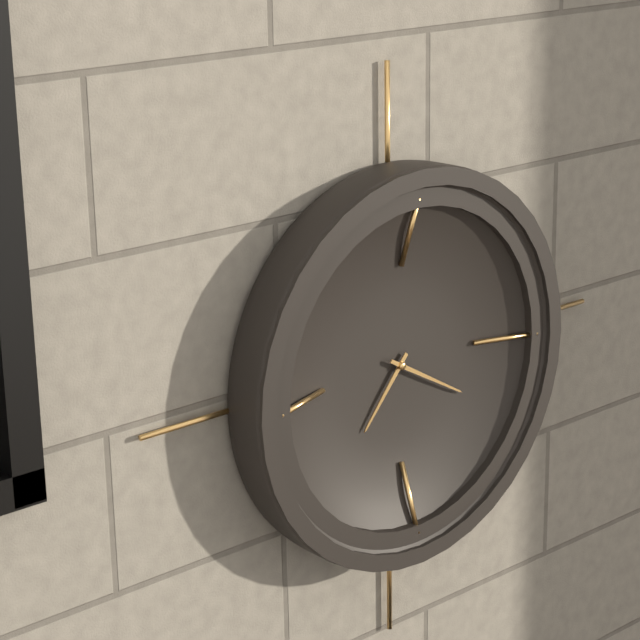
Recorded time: 7:20
